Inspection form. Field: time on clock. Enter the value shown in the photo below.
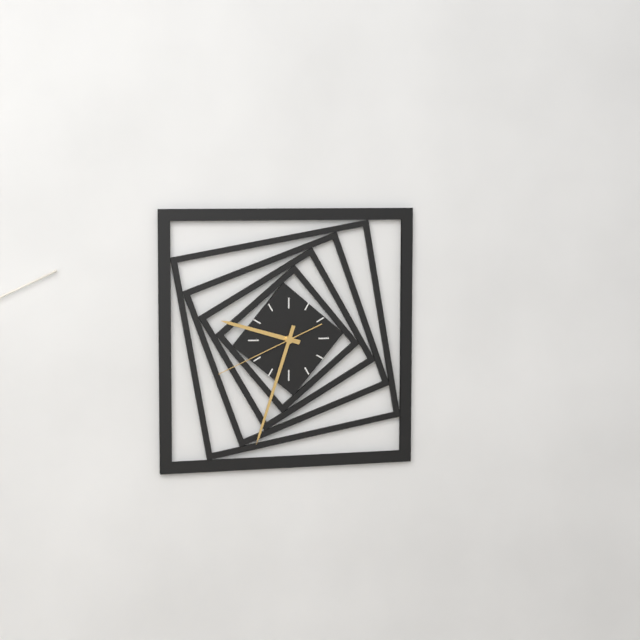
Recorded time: 9:33:41
